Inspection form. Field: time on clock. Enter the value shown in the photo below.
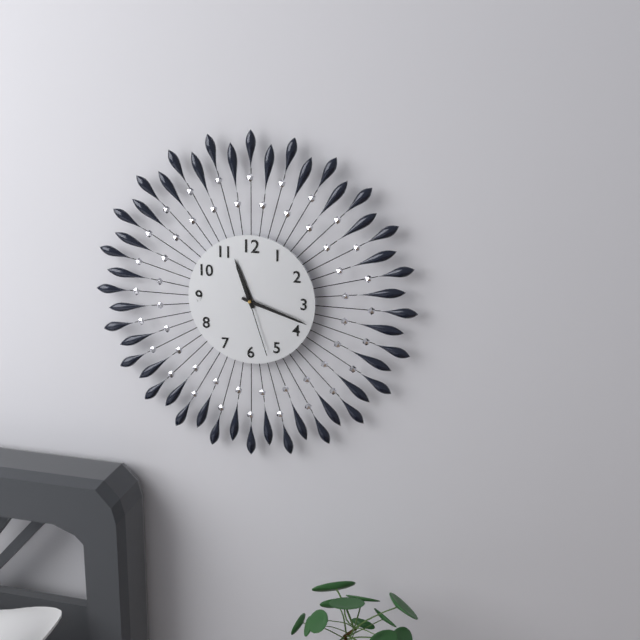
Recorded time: 11:18:27
